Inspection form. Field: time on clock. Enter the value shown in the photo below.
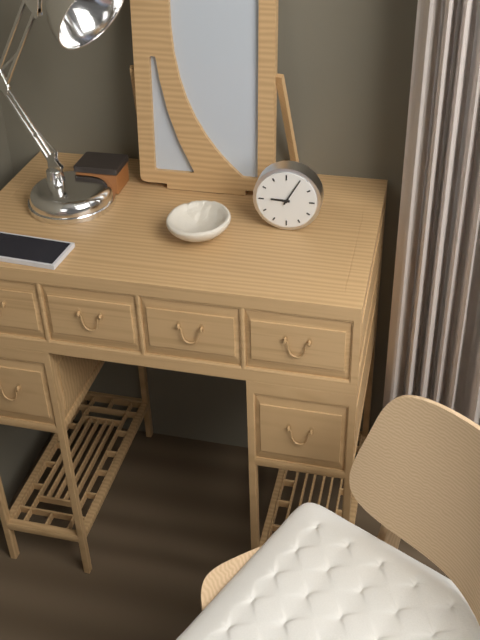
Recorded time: 9:05
